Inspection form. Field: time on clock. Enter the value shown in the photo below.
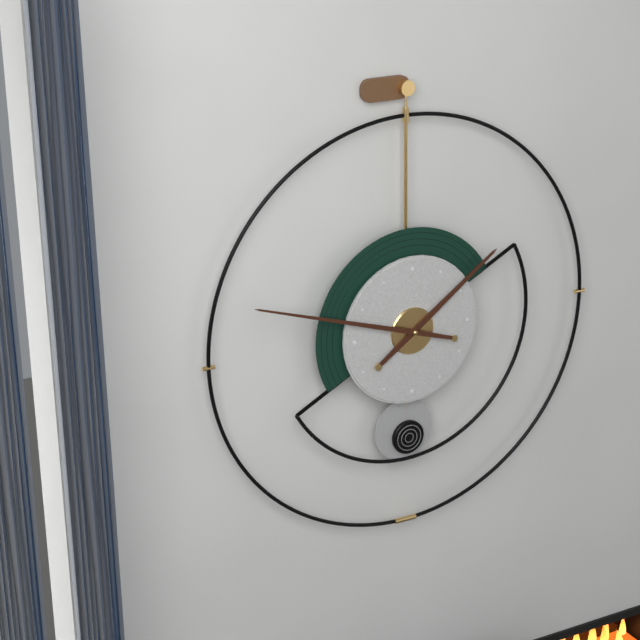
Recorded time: 1:48
